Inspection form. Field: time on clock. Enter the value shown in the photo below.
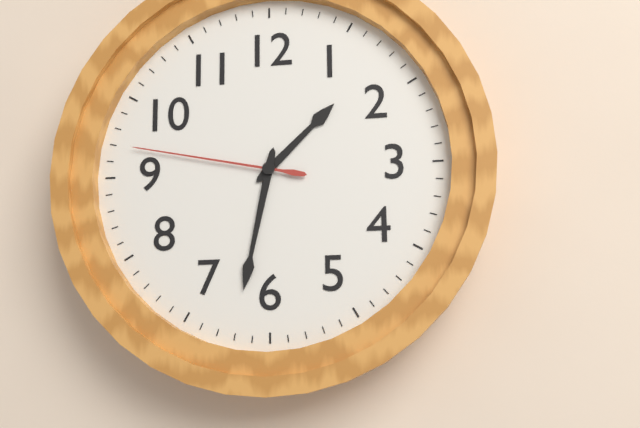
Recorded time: 1:32:47
